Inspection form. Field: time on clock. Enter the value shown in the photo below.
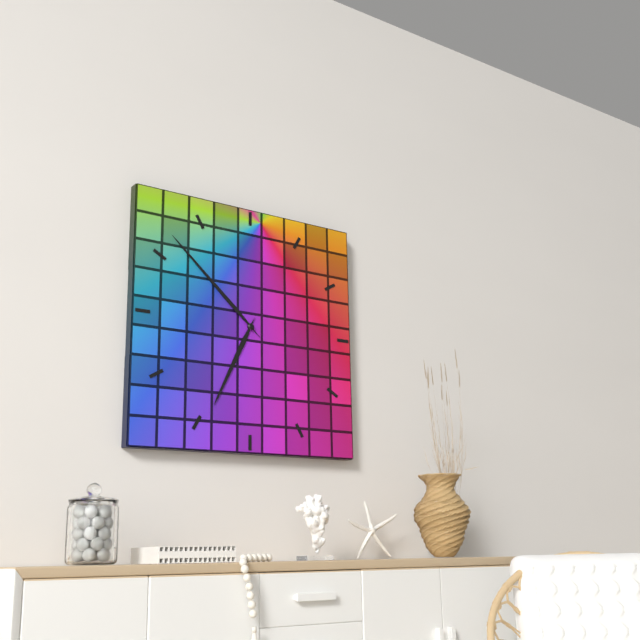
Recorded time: 6:52
